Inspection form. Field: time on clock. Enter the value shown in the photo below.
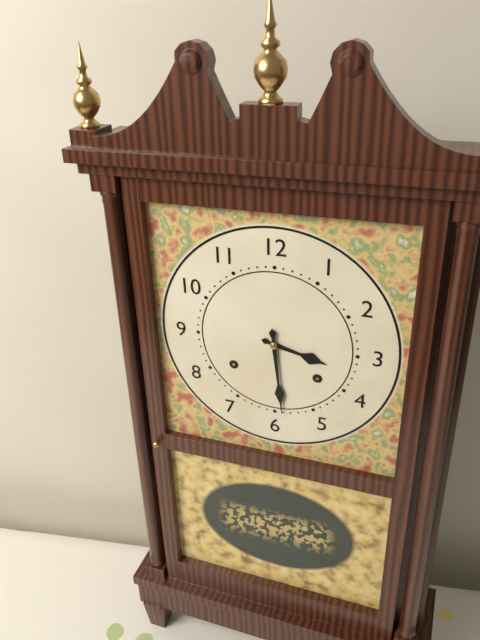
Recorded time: 3:29
